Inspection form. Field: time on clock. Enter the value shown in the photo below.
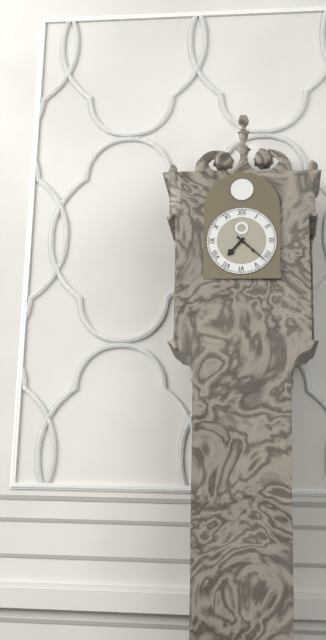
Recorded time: 7:22
